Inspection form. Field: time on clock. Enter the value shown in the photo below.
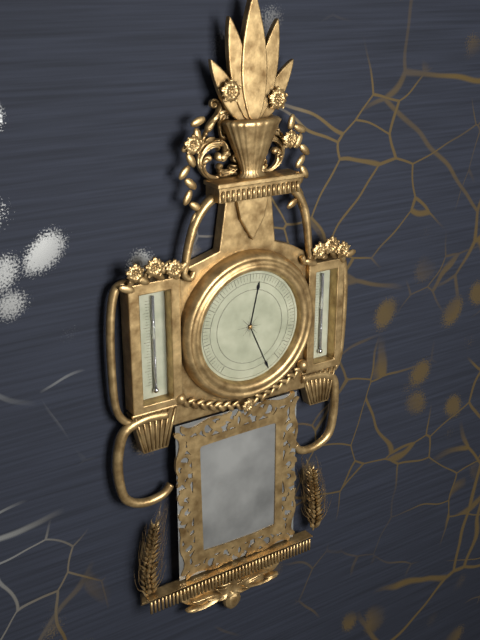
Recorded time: 12:26
